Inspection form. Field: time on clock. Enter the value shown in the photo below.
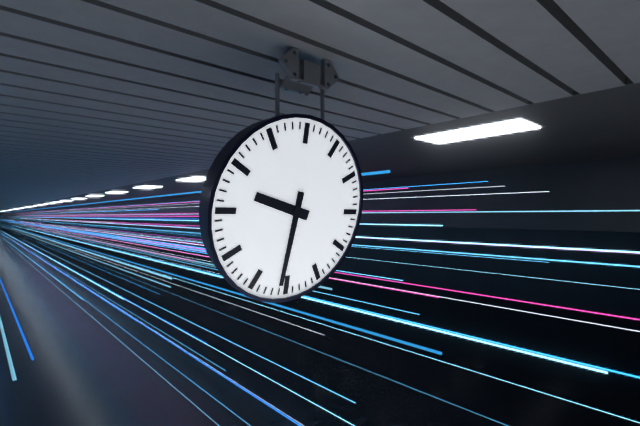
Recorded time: 9:31
